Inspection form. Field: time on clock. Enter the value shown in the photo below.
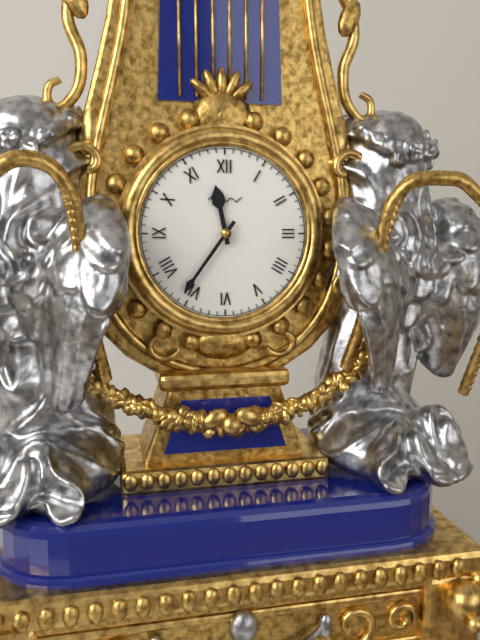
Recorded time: 11:36
